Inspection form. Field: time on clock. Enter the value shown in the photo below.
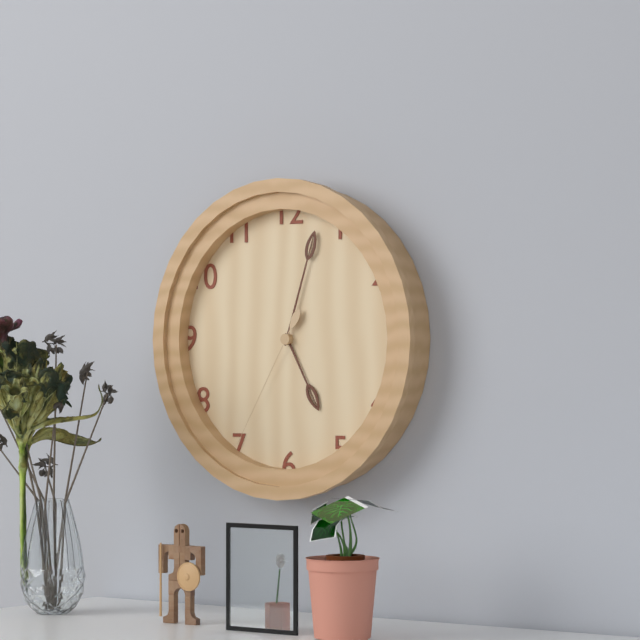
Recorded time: 5:03:35
